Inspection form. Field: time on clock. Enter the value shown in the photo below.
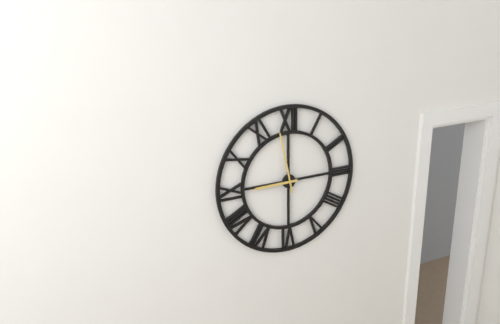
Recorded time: 8:58
